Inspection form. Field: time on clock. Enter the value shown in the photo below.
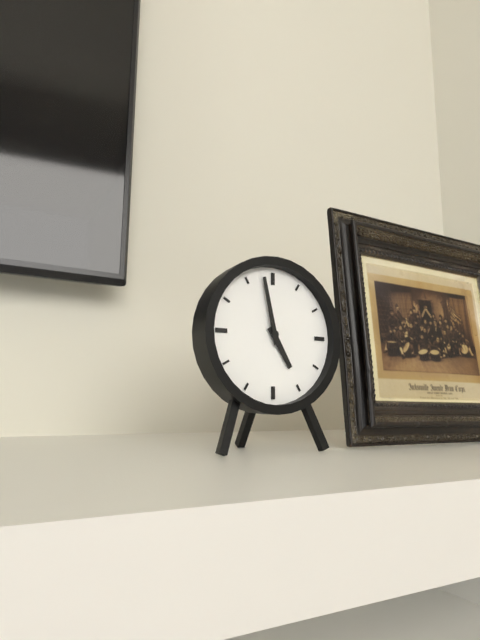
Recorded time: 4:58
